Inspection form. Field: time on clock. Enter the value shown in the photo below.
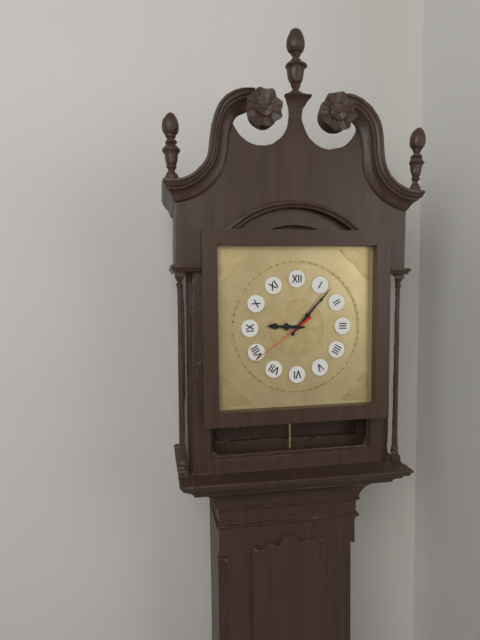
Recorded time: 9:07:39
